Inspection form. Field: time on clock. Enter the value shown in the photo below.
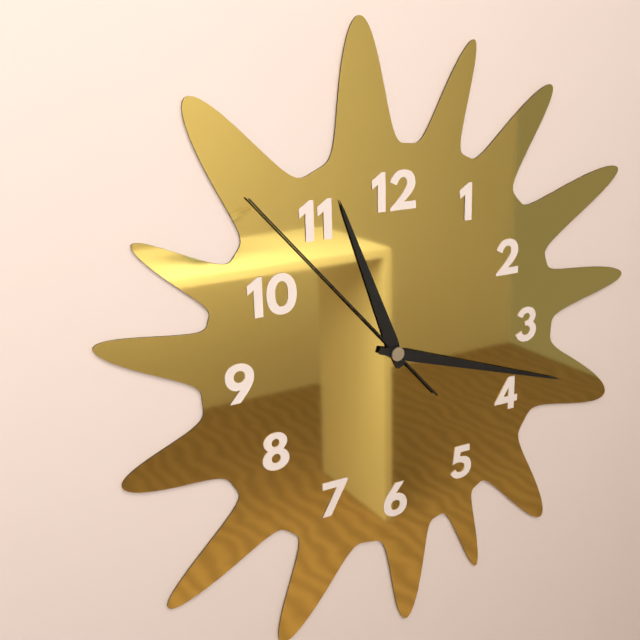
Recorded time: 11:18:53
